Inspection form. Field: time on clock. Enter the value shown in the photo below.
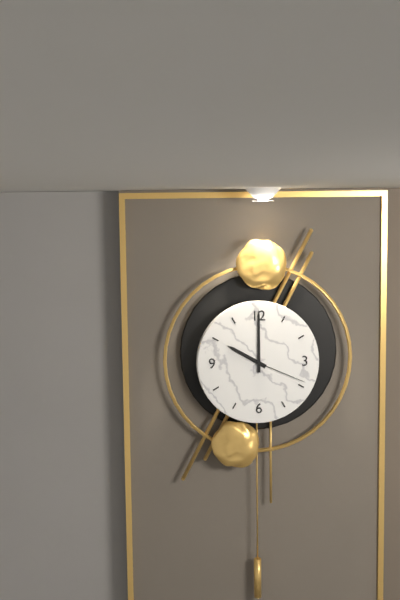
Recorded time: 10:00:19
